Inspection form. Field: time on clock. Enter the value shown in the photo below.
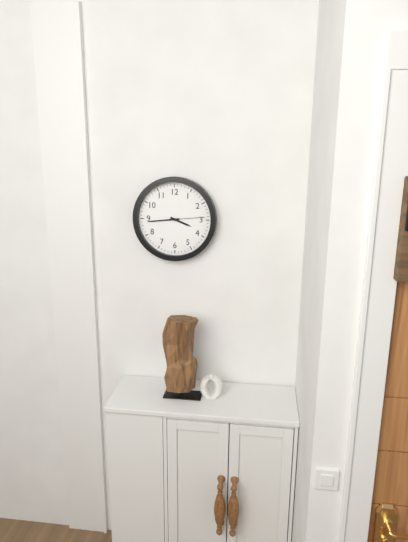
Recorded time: 3:44
